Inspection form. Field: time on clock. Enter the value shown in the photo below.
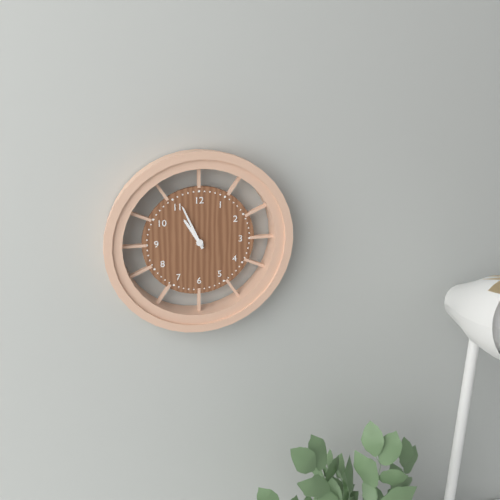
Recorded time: 10:56
